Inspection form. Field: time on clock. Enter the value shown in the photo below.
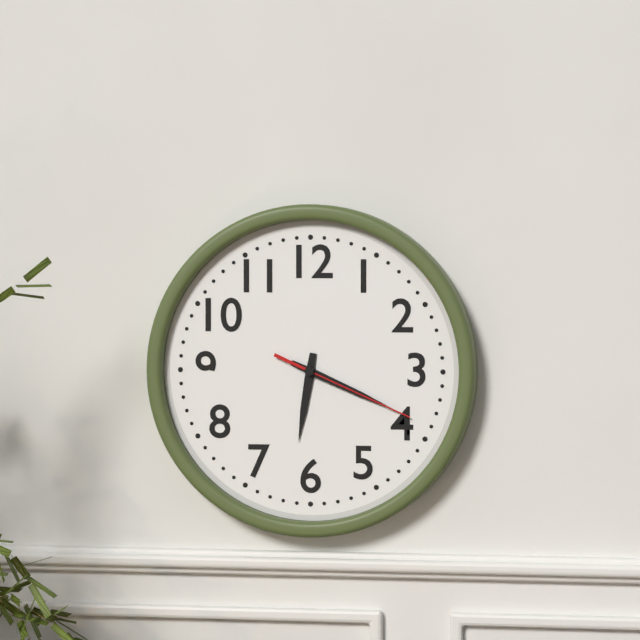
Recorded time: 6:19:19
